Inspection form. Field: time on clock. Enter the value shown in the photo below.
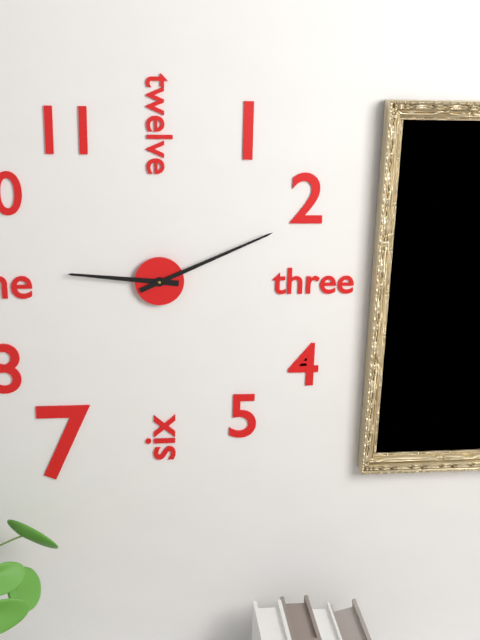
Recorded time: 9:11
